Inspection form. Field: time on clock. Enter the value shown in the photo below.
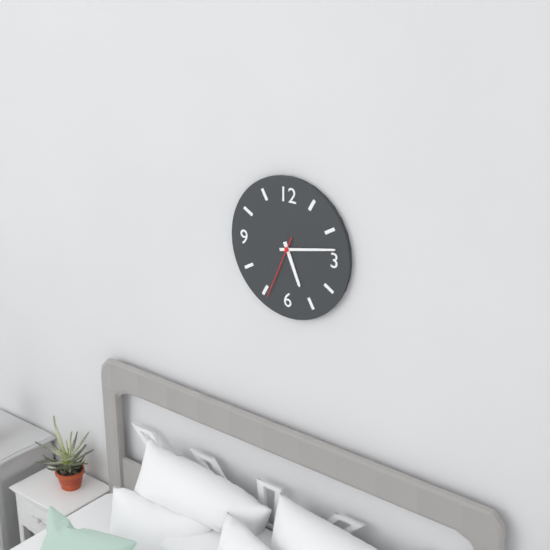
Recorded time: 5:13:34
